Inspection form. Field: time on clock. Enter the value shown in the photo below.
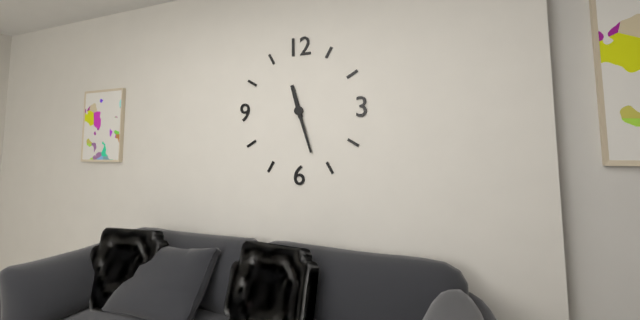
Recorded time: 11:27
